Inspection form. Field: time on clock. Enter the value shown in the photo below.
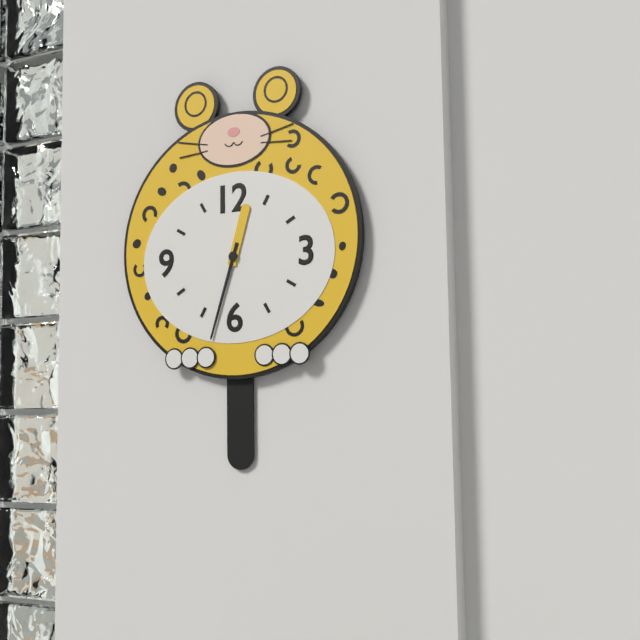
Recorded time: 12:33
